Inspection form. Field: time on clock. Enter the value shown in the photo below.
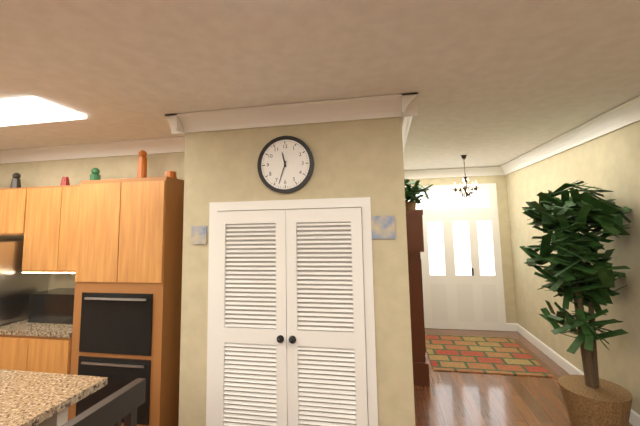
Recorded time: 11:33
